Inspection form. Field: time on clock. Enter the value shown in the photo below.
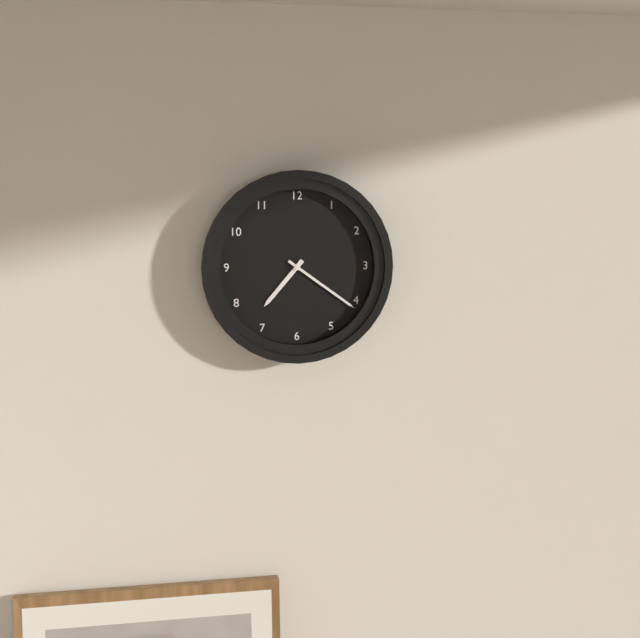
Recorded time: 7:21
